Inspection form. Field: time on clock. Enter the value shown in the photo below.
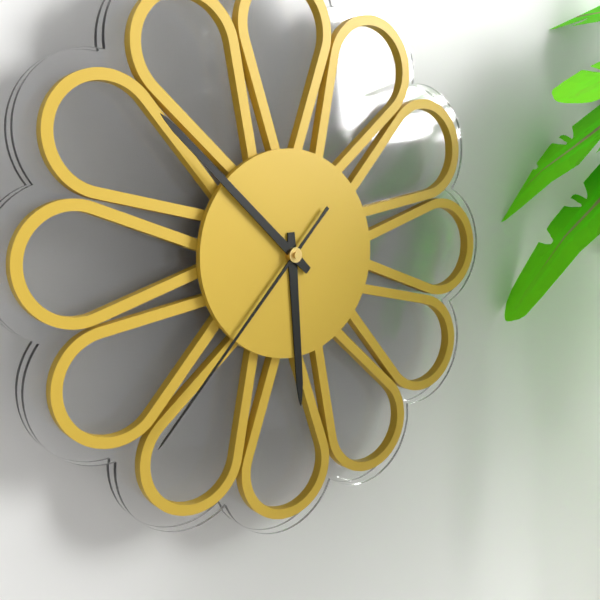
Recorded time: 5:52:37
